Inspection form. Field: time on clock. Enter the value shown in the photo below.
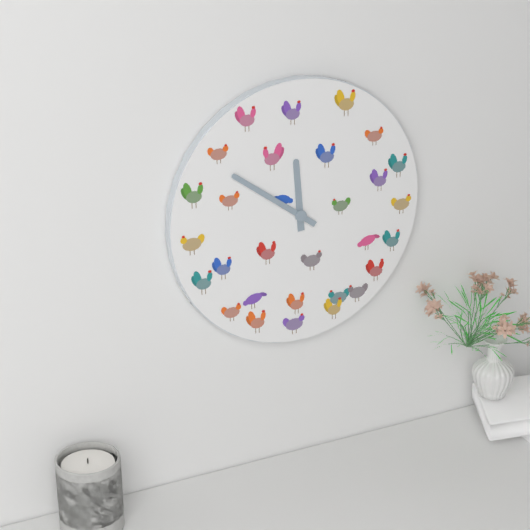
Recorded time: 11:51
